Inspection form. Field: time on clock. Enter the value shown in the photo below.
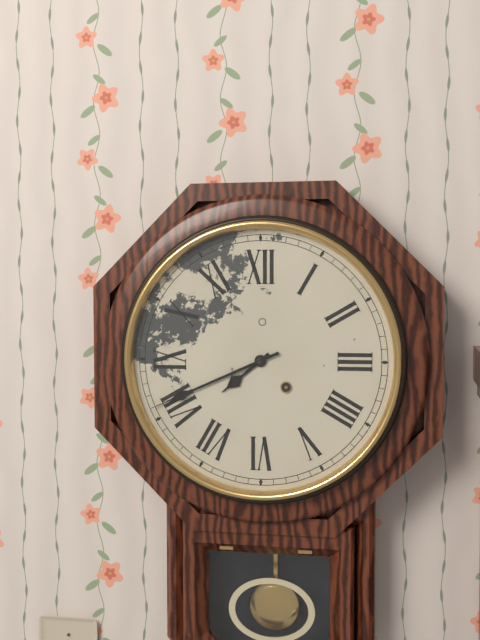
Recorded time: 7:41
